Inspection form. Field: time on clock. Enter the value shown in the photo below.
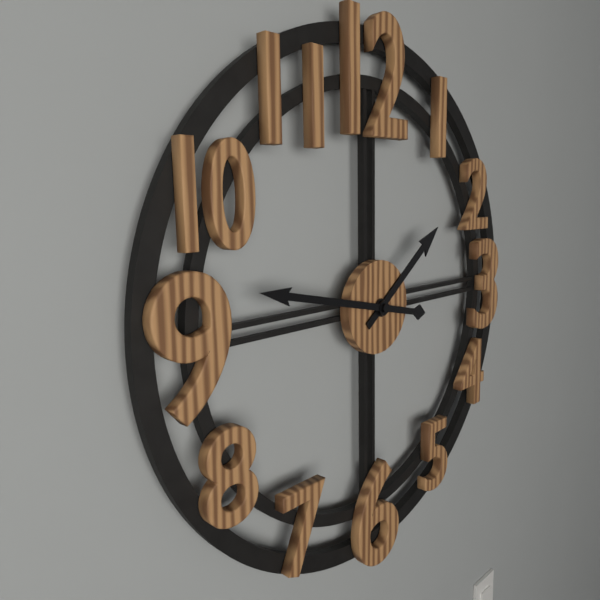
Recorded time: 1:47
